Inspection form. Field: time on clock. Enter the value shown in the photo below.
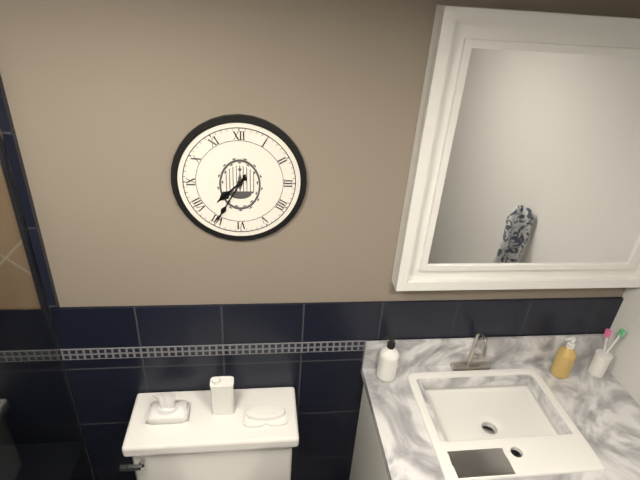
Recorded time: 7:35
